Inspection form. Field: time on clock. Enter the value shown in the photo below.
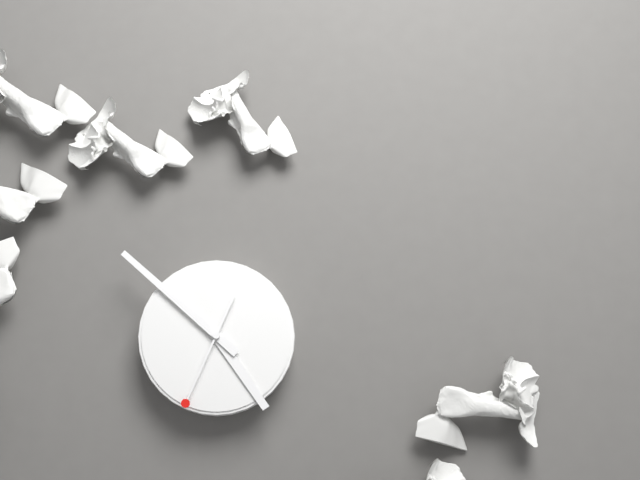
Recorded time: 4:52:34
